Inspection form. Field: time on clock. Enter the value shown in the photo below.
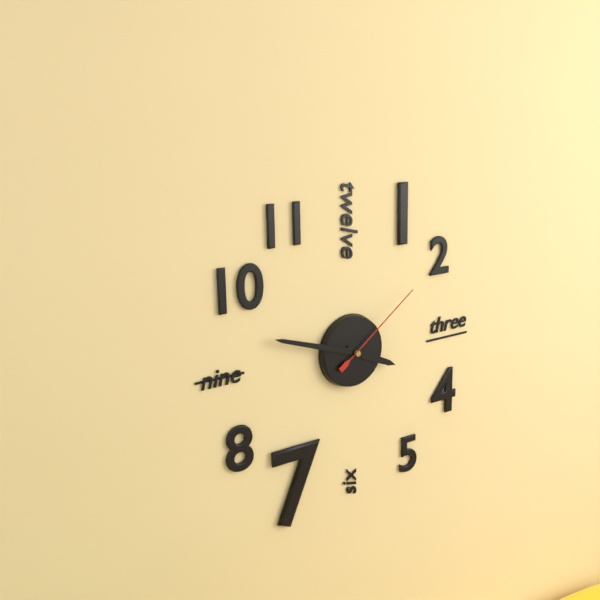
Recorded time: 3:48:09
